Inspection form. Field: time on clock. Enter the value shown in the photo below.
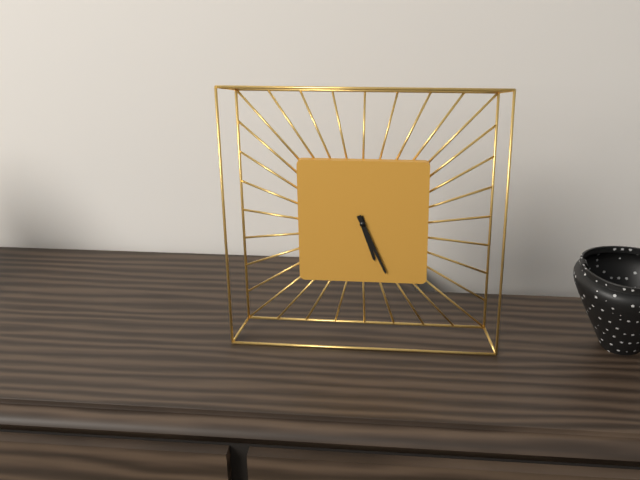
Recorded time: 5:26
